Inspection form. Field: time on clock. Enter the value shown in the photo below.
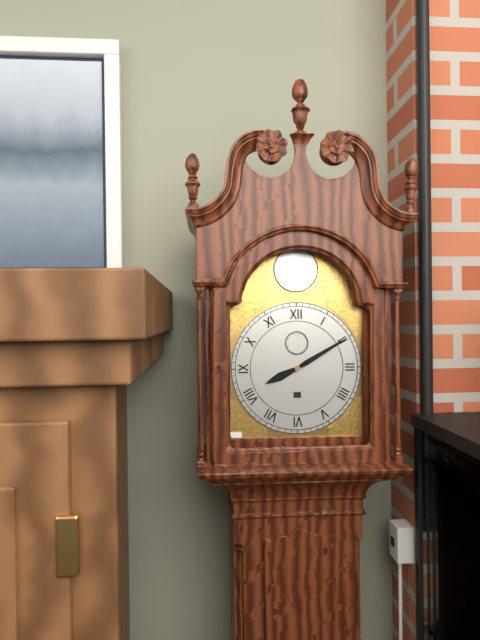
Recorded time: 8:10
